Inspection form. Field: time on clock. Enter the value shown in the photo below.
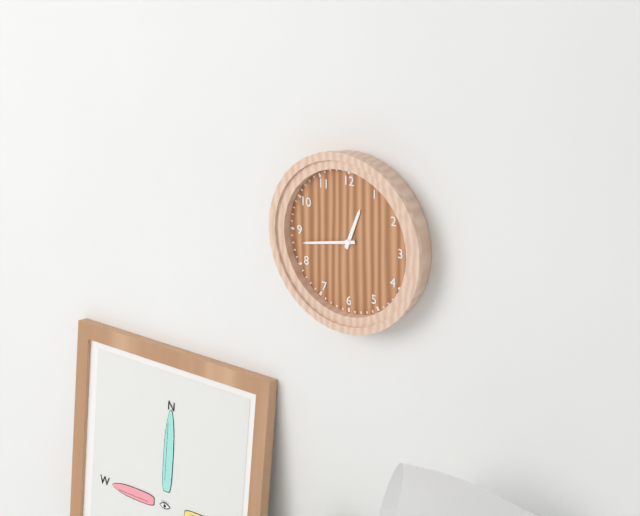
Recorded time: 12:43
